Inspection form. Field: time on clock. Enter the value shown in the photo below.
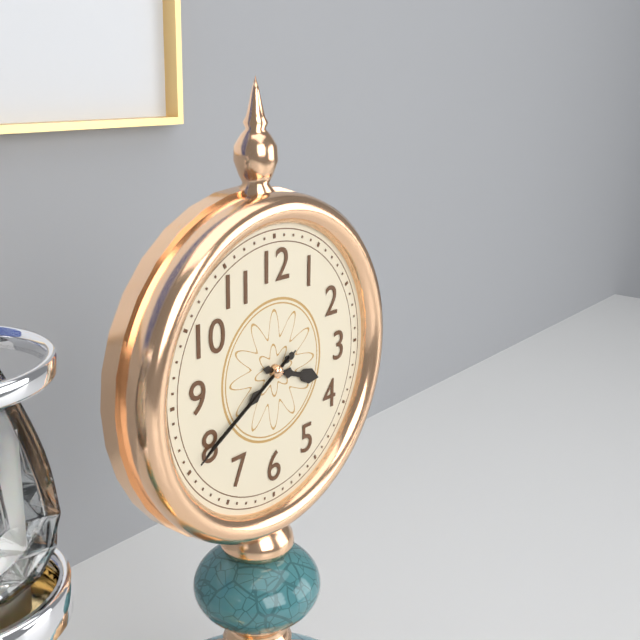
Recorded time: 3:40:40
